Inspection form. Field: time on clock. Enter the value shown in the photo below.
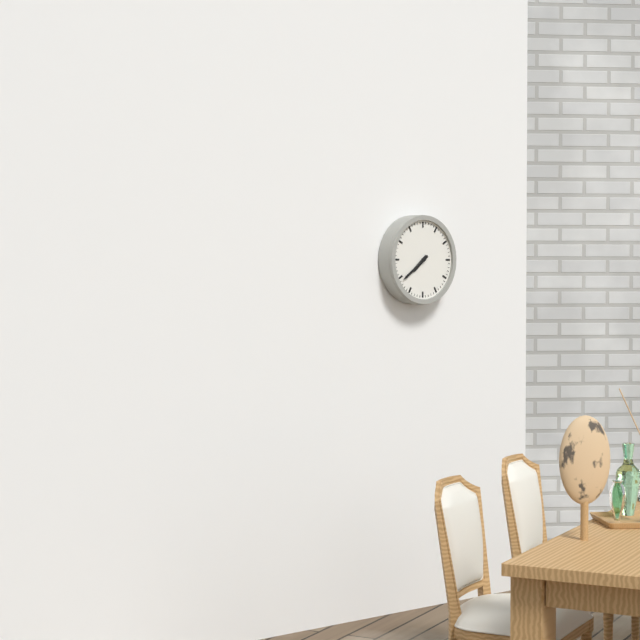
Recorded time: 7:39
